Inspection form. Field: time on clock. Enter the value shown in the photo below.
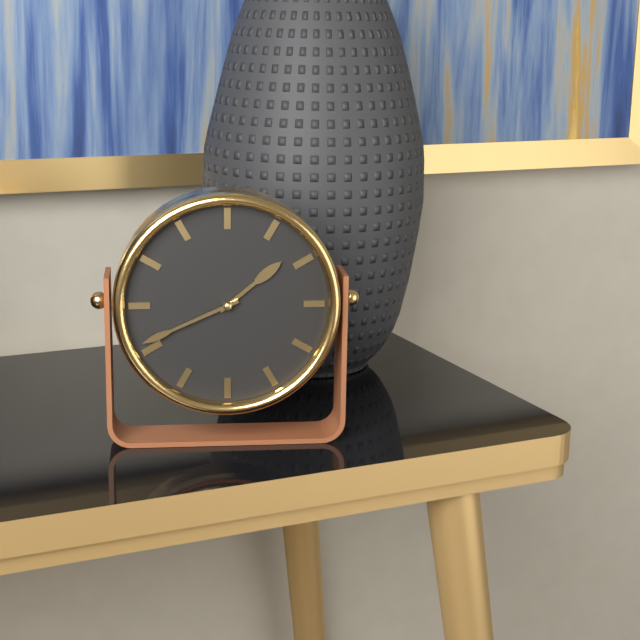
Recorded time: 1:41
